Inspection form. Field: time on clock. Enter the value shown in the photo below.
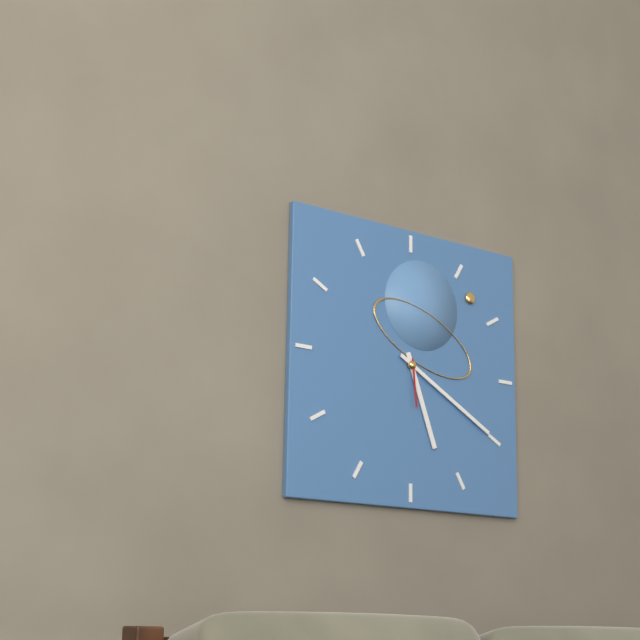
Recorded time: 5:20:29
